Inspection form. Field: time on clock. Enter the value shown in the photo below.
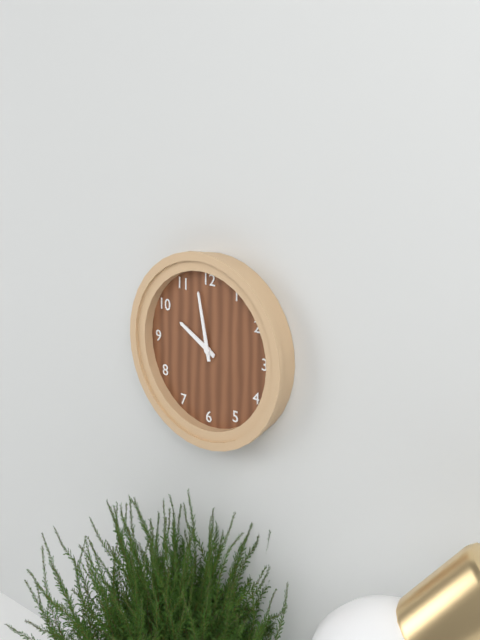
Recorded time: 9:58
